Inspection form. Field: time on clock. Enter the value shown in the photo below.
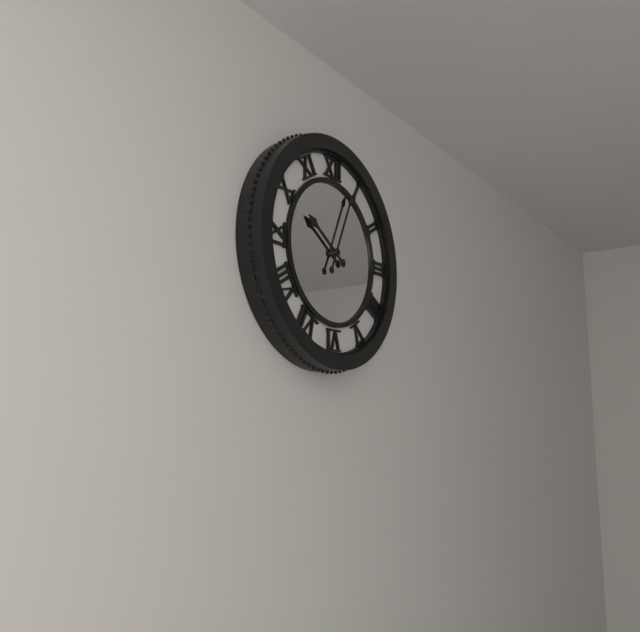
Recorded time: 10:04
